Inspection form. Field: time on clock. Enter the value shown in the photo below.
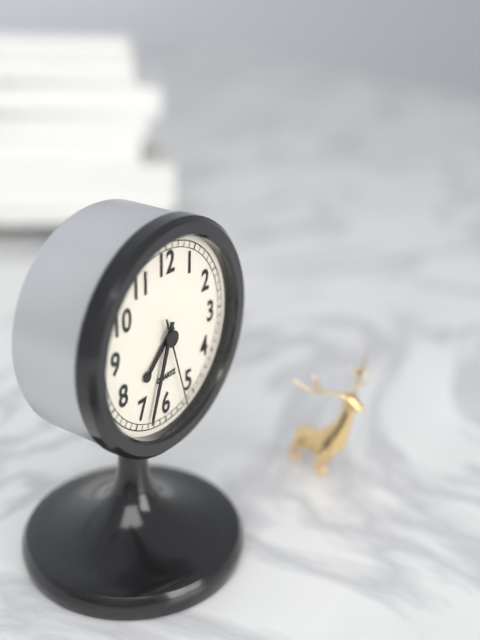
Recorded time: 7:33:27
